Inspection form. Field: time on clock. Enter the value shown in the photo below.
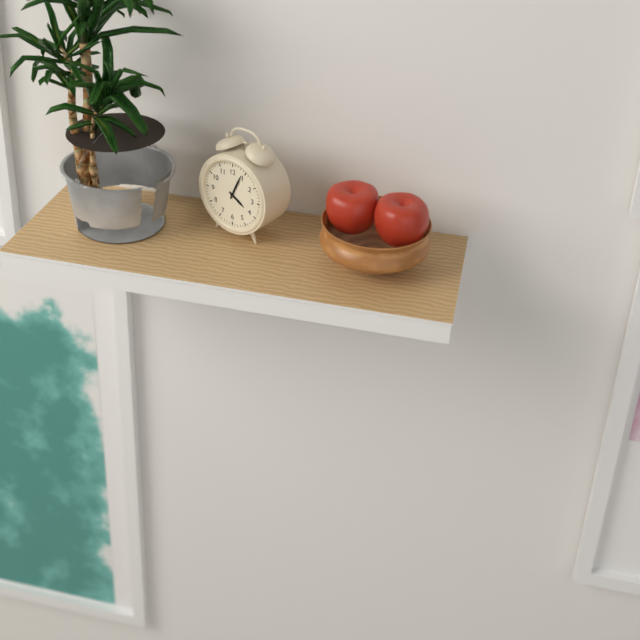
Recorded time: 4:04
